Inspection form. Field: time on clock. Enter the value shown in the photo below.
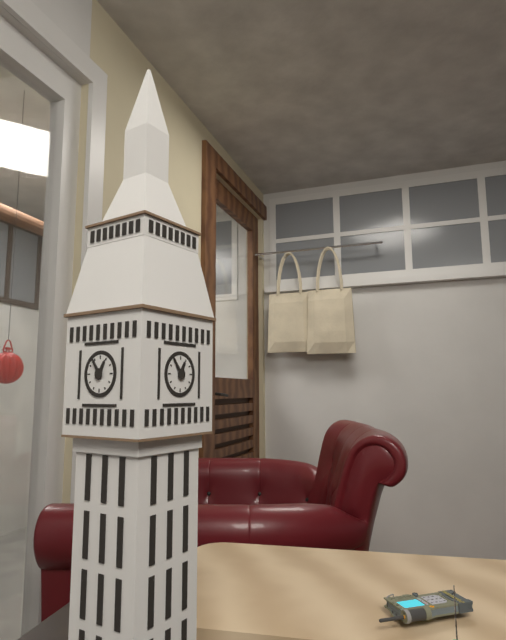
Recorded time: 12:54
